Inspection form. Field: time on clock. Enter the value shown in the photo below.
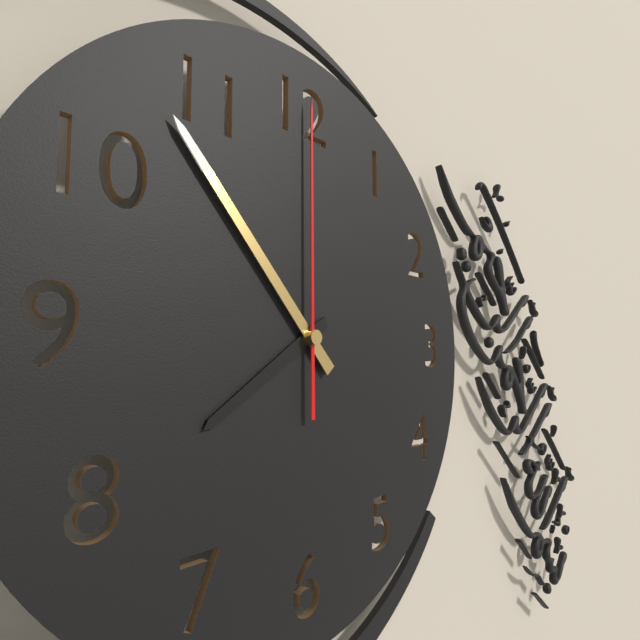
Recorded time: 7:53:00
